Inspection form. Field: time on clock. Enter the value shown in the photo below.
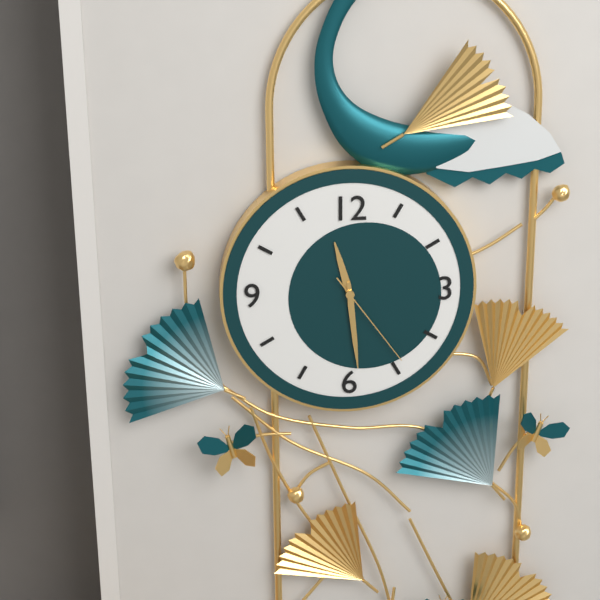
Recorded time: 11:29:24
